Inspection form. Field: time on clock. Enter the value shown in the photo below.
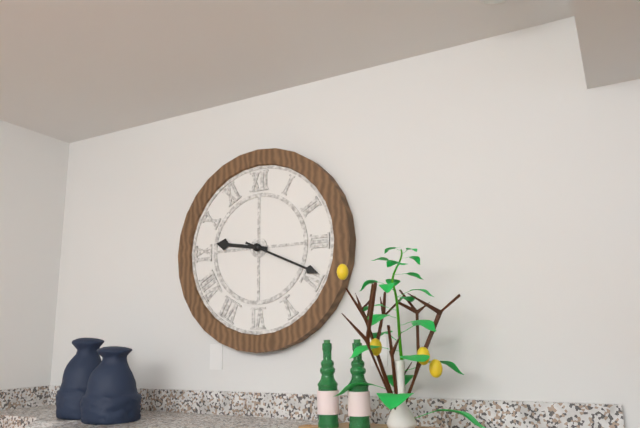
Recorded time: 9:19
